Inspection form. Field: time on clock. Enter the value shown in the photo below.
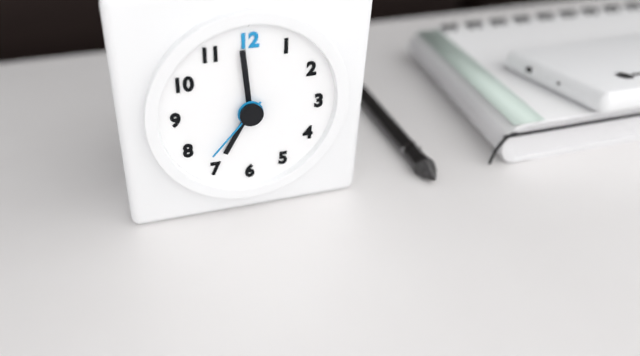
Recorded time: 6:59:37
